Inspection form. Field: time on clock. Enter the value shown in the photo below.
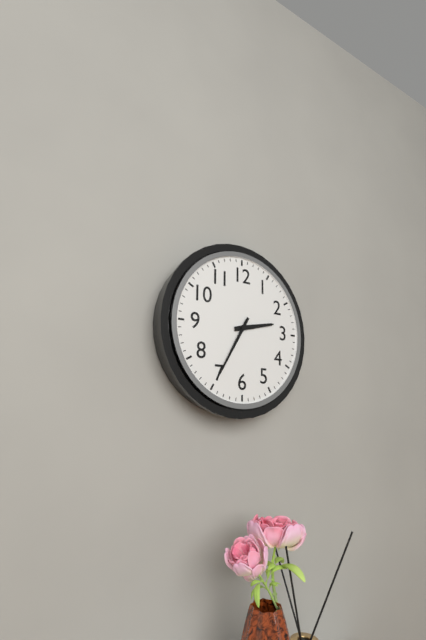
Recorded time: 2:35
